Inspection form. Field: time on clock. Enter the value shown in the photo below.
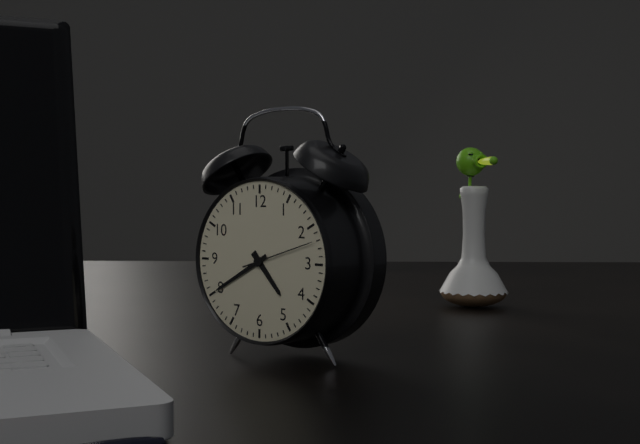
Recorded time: 4:40
